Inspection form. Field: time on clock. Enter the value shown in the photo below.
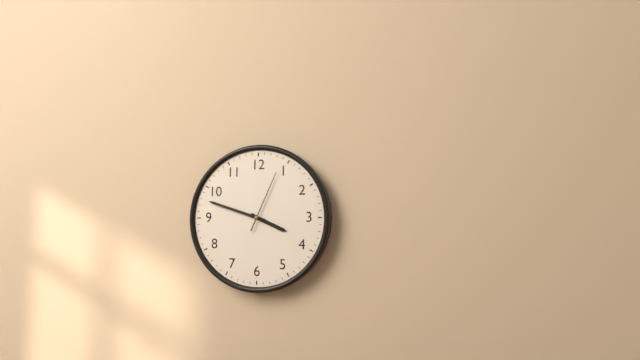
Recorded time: 3:48:04
